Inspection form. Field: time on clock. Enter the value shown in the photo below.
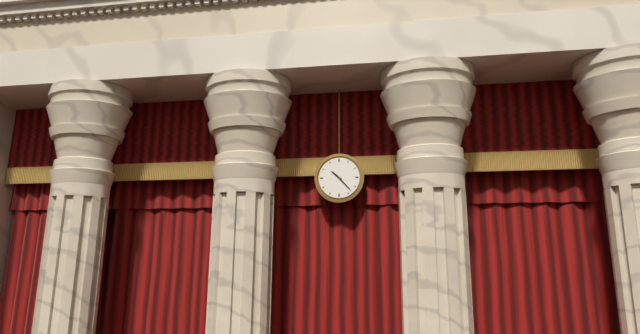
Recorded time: 10:23
